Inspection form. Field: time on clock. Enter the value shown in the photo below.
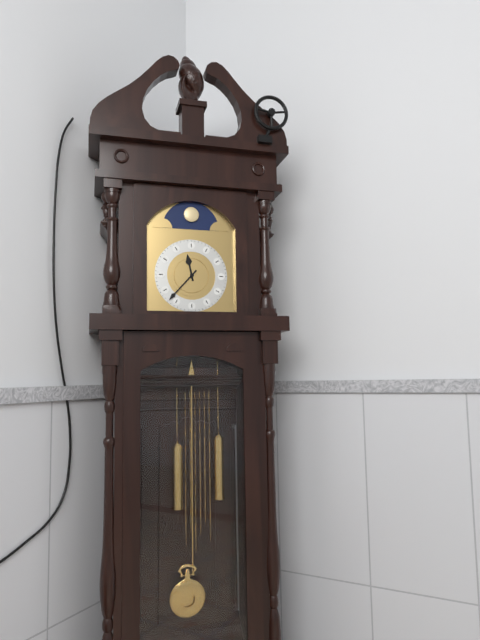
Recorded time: 11:37
